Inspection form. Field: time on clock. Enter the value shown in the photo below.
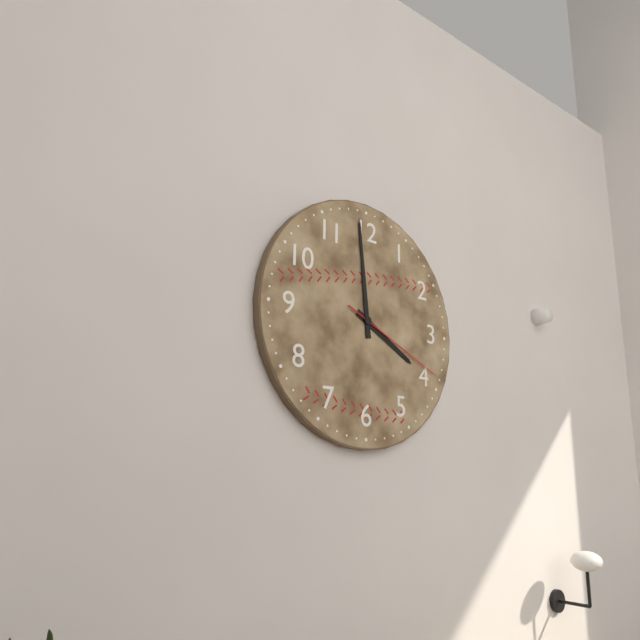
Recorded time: 3:59:19
